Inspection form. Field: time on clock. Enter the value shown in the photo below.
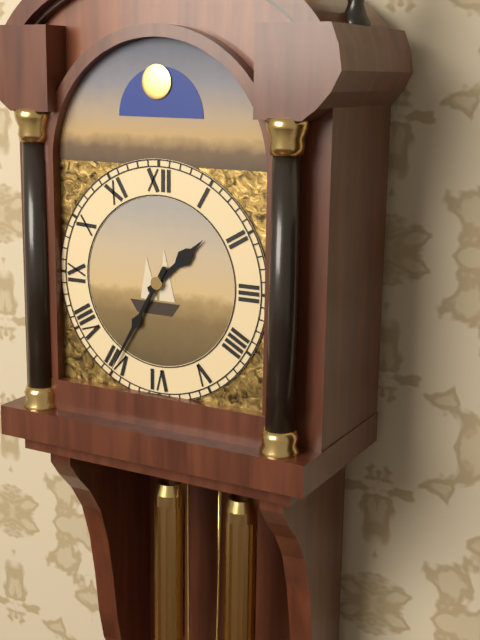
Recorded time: 1:35
